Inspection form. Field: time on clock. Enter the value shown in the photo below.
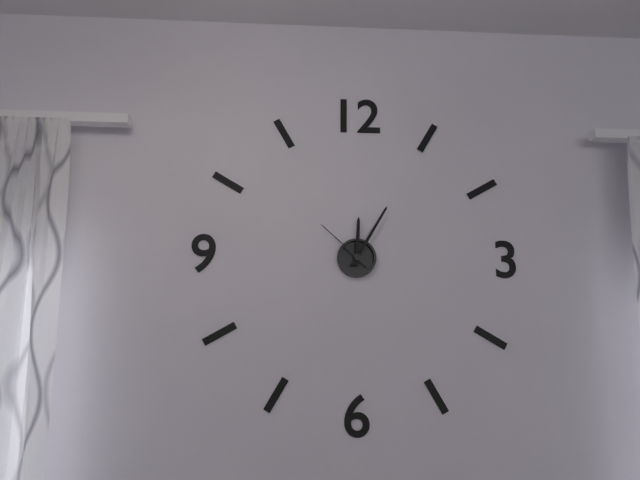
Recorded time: 12:05:52
